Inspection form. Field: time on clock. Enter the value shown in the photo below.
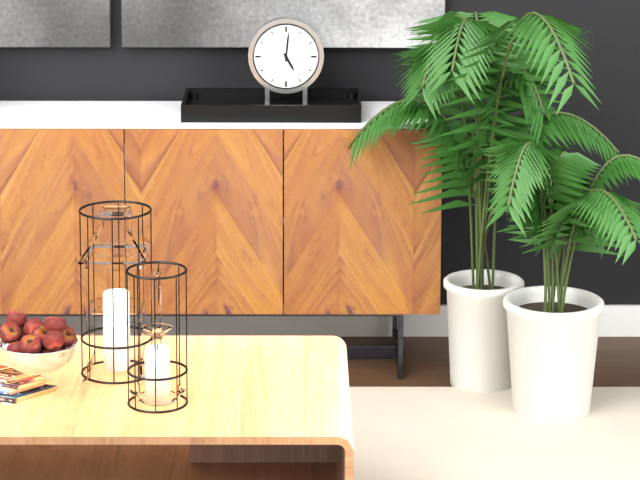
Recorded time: 5:01
